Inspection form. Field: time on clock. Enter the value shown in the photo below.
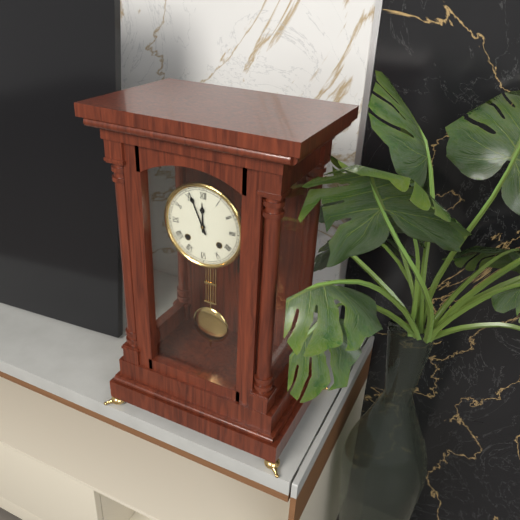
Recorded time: 11:56
